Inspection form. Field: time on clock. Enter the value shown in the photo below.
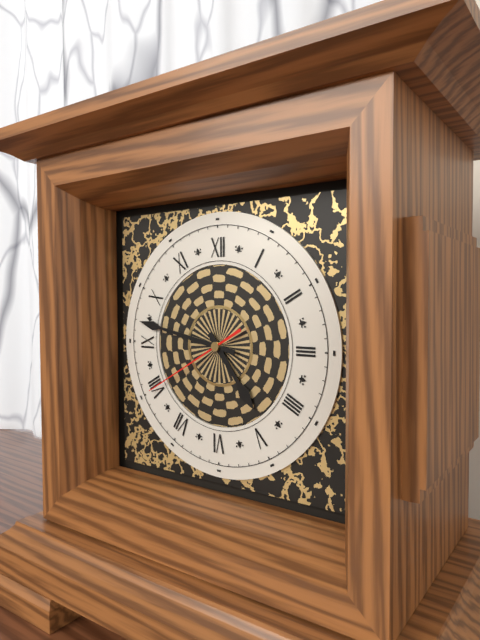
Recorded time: 4:47:40
